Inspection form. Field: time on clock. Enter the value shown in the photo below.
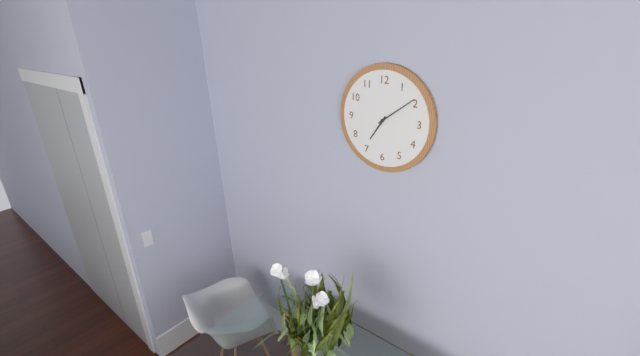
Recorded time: 7:09
